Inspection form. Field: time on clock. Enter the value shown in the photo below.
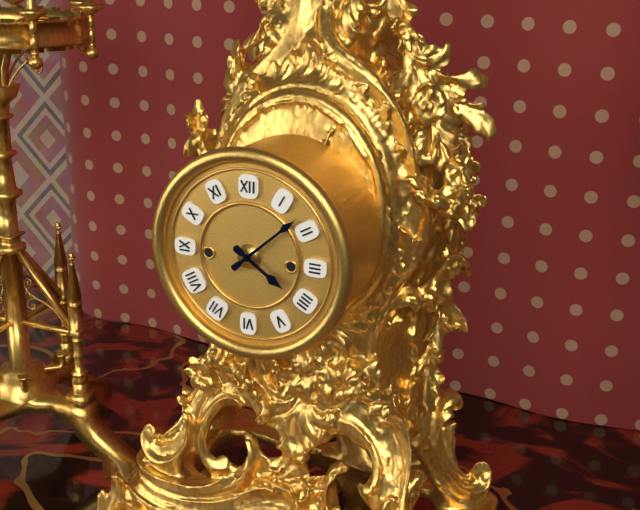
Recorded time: 4:08
